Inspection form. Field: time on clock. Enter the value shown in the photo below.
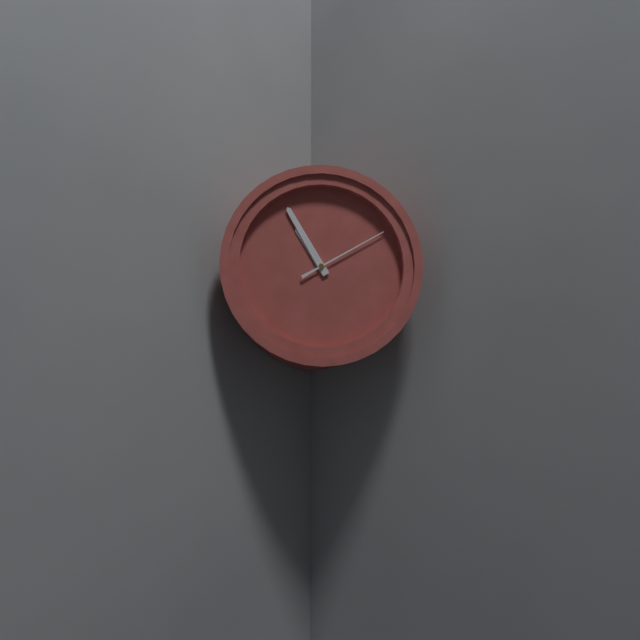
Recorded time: 10:55:10
